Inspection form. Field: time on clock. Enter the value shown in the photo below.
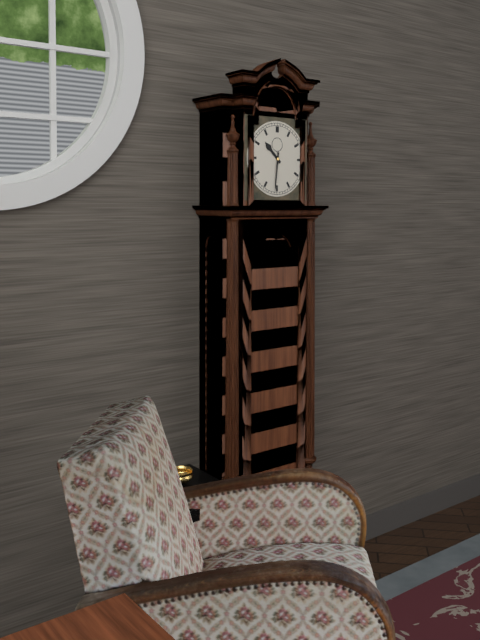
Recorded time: 10:31
